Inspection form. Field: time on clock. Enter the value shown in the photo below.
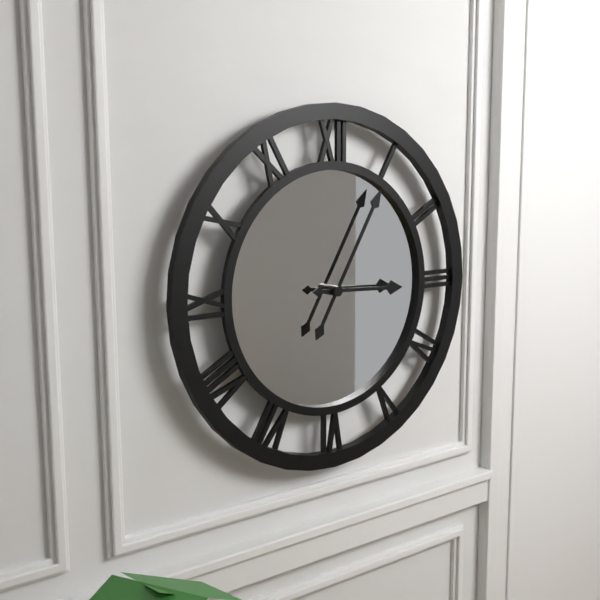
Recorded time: 3:05
